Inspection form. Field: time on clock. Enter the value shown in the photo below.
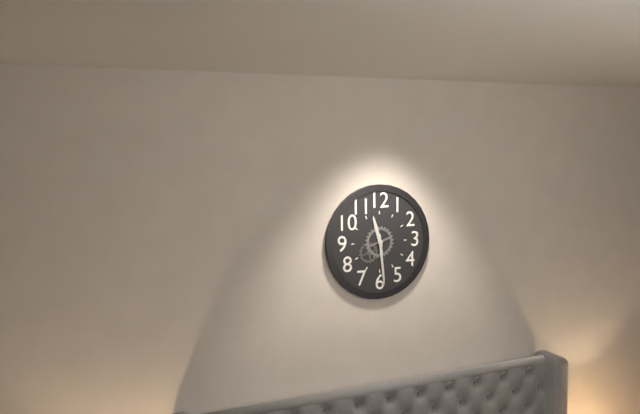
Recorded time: 11:29
